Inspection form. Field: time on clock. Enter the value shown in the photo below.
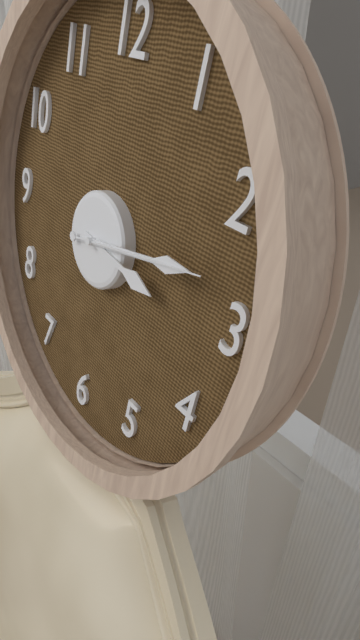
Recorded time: 3:13:13
